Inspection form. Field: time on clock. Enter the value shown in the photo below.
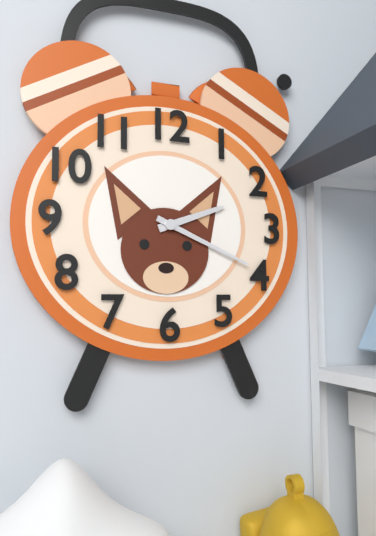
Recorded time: 2:19
